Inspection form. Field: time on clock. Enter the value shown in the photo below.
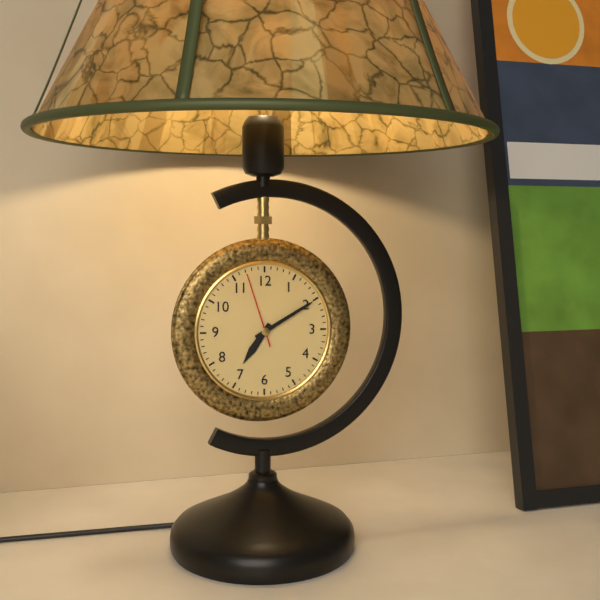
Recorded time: 7:10:57
